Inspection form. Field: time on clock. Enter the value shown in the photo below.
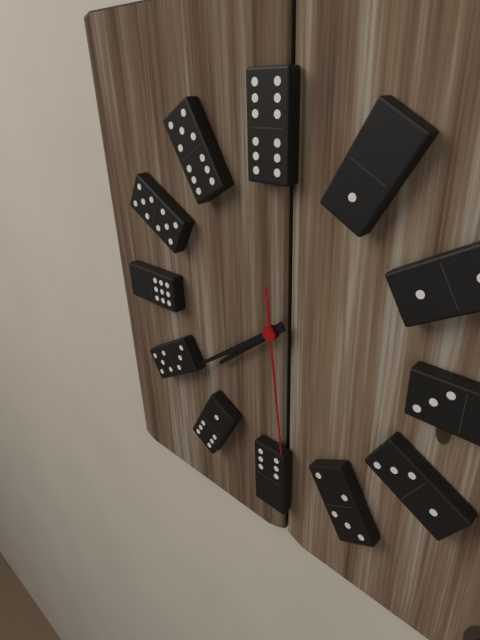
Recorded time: 7:39:29
